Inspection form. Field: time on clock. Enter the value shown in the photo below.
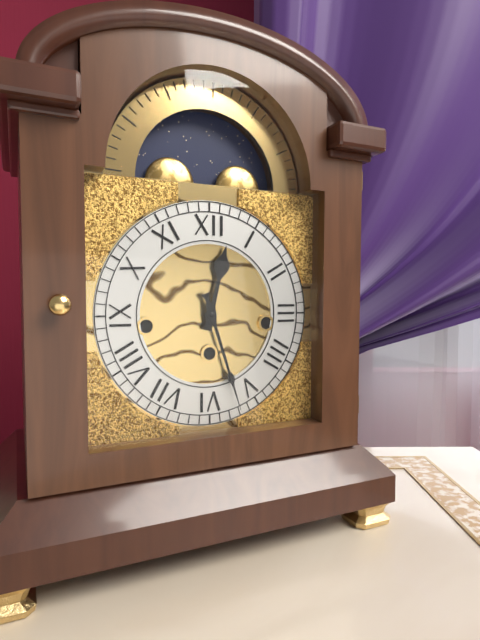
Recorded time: 12:27
